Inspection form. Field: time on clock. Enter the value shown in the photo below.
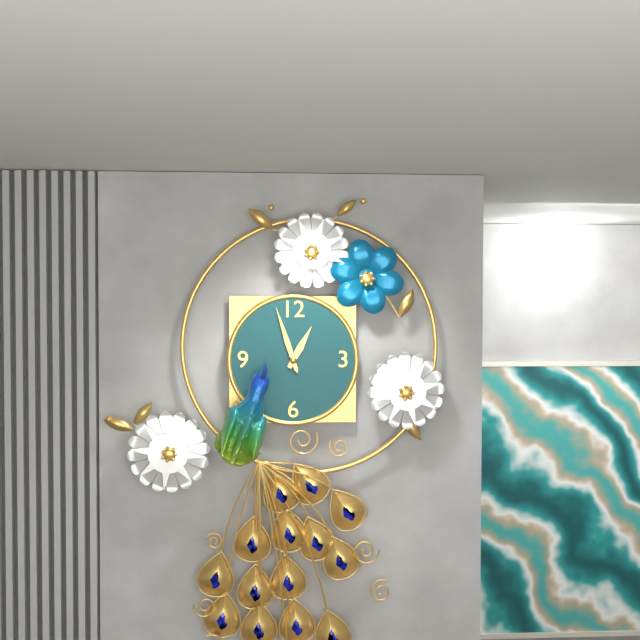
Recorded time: 12:57:57
